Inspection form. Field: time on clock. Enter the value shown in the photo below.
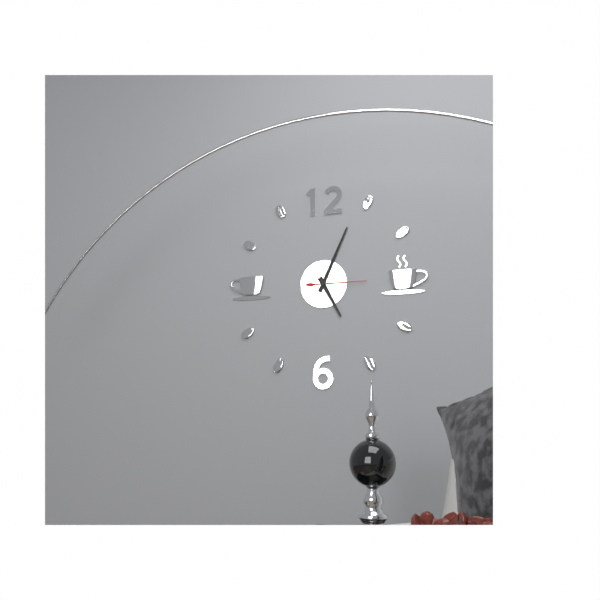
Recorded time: 5:04:15
